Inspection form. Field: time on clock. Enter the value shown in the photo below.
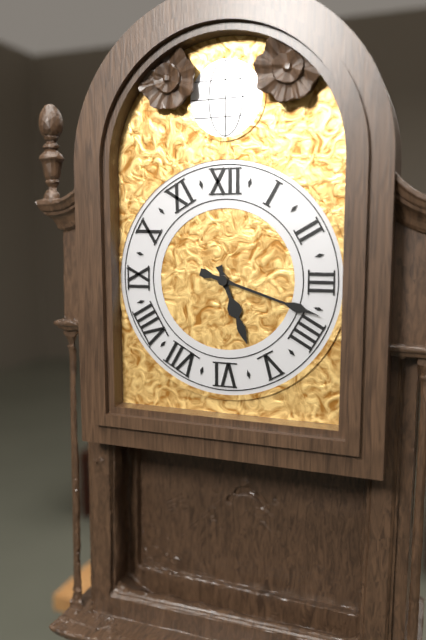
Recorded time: 5:18
